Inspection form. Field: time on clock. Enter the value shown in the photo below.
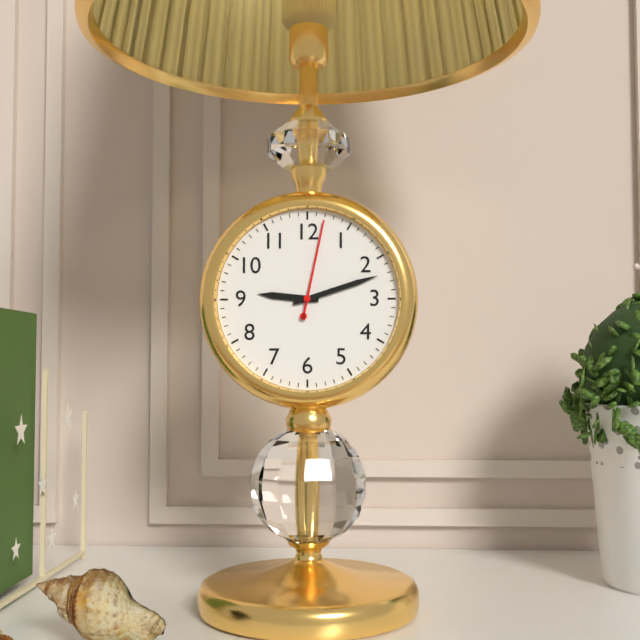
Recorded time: 9:12:02
